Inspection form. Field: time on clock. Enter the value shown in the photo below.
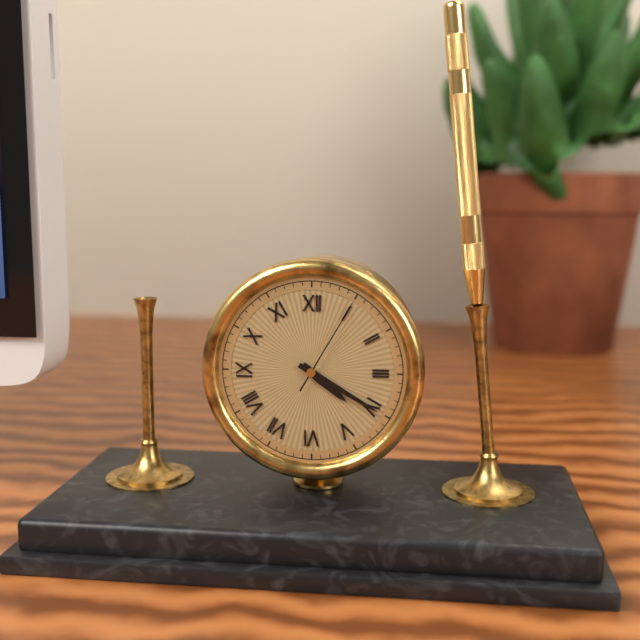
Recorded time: 4:20:05
